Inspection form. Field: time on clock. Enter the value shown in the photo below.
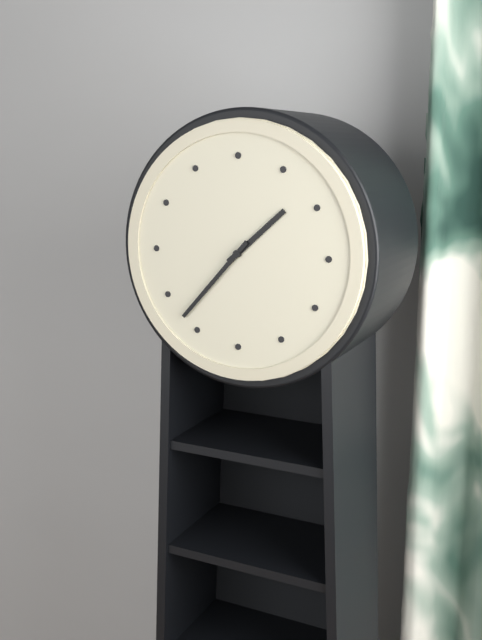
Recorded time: 1:37
